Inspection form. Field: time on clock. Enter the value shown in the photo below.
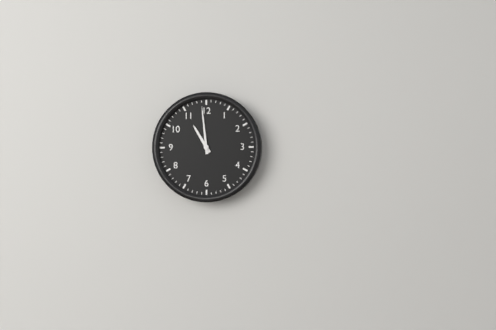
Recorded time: 10:59
